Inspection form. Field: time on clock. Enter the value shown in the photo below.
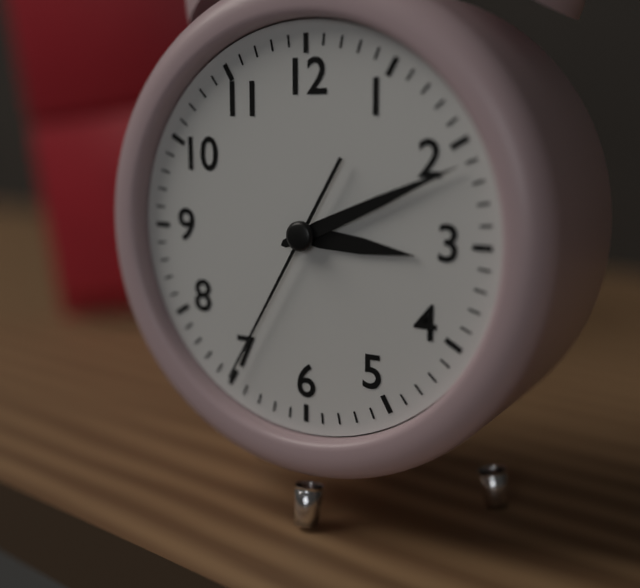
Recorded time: 3:11:35
